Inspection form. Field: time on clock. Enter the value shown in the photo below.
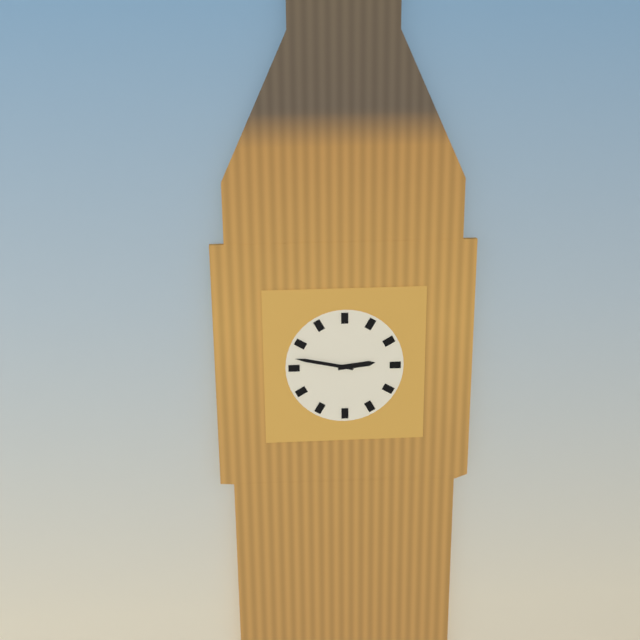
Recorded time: 2:47
